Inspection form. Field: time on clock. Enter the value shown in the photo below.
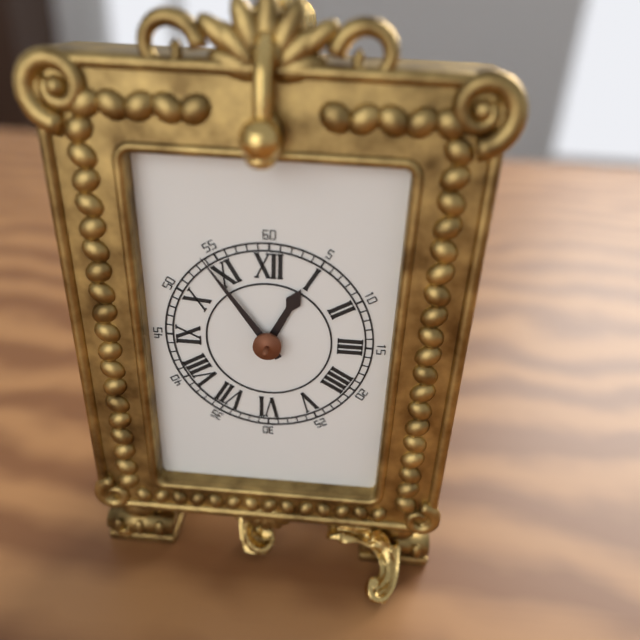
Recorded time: 12:54
